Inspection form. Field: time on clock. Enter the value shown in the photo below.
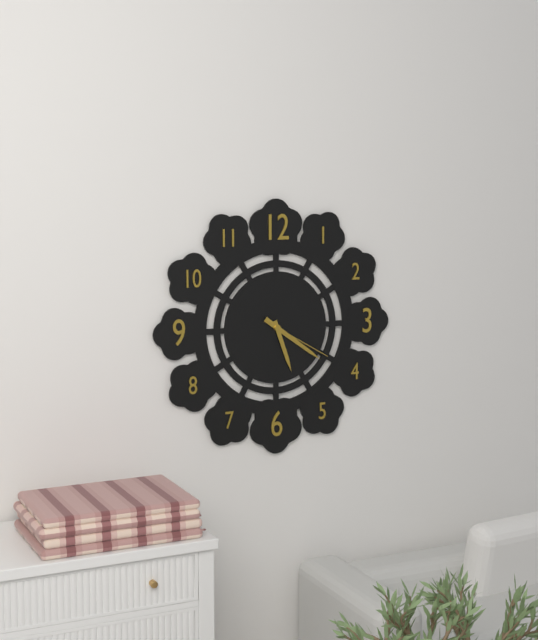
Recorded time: 5:21:20
